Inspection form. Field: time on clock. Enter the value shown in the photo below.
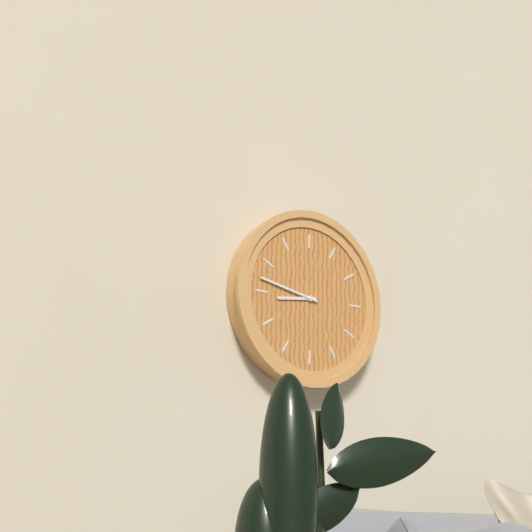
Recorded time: 8:47
